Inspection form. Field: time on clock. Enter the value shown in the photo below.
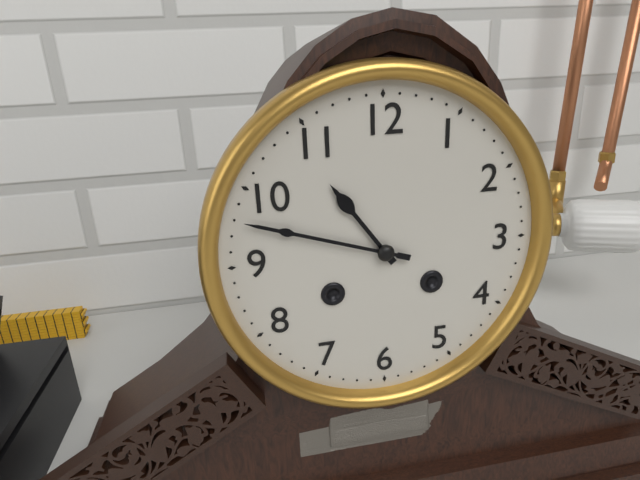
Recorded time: 10:48
